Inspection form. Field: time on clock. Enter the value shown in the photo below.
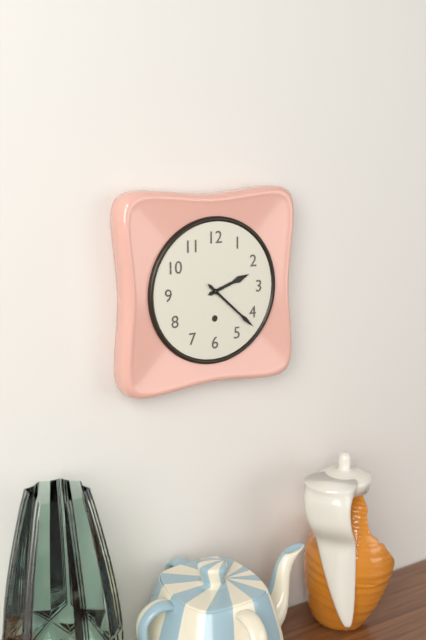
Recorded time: 2:22
